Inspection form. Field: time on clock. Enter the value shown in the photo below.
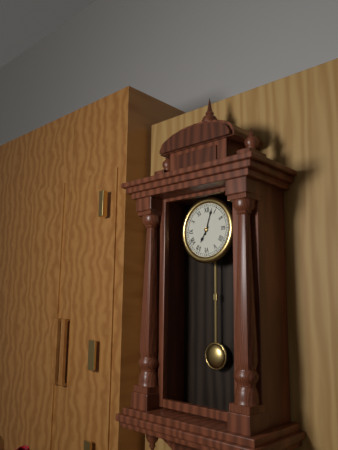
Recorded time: 7:03
